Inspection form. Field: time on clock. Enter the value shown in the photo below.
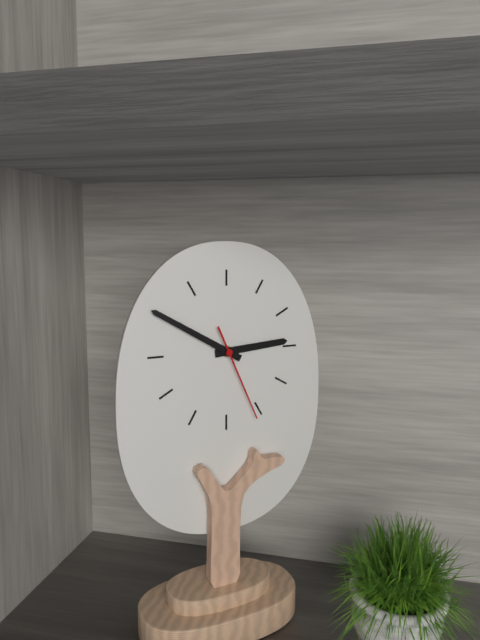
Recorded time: 2:50:26
